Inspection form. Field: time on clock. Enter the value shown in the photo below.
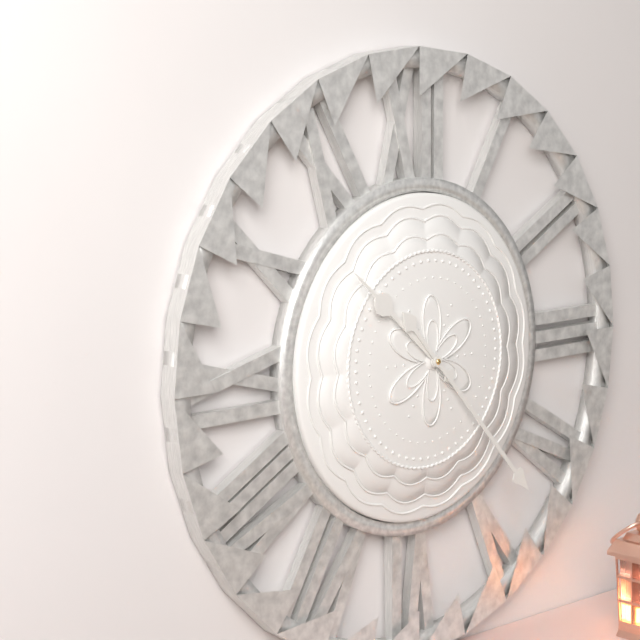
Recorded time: 10:23
